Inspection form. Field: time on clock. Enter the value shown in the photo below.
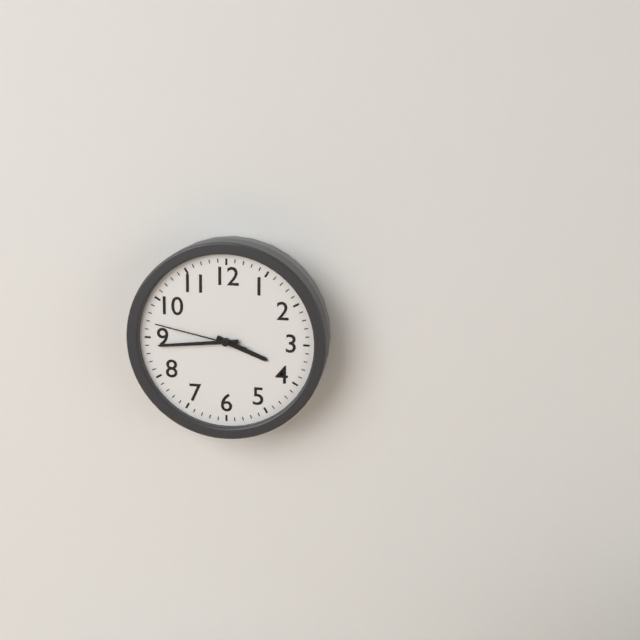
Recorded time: 3:44:47
